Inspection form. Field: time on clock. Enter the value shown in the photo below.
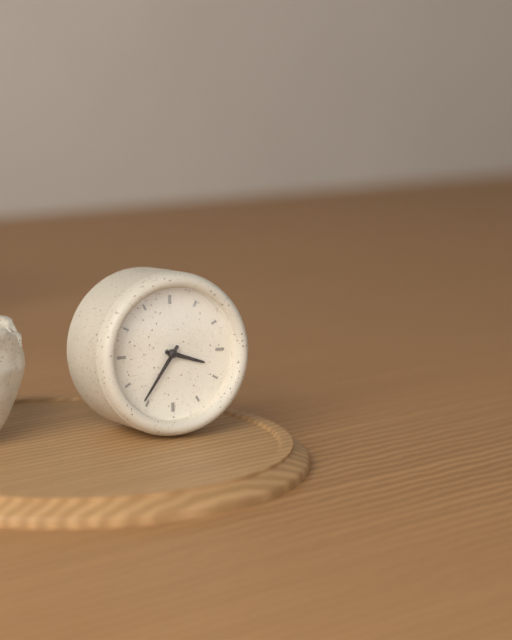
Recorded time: 3:36
